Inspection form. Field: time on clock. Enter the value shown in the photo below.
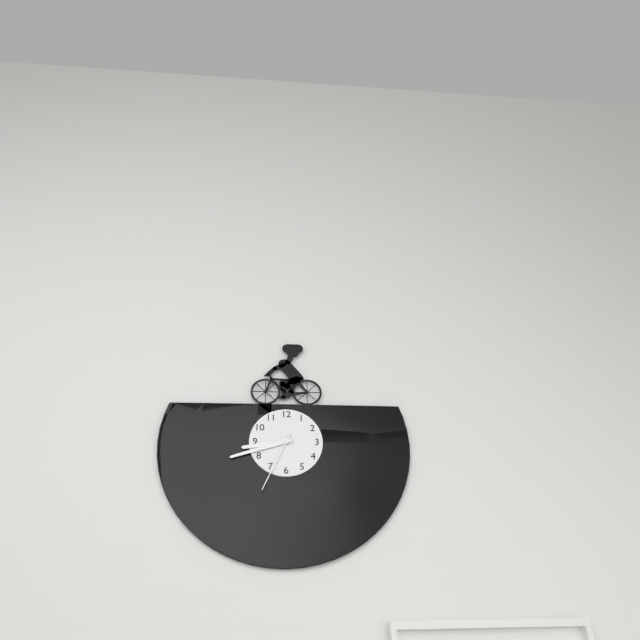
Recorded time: 8:42:34
